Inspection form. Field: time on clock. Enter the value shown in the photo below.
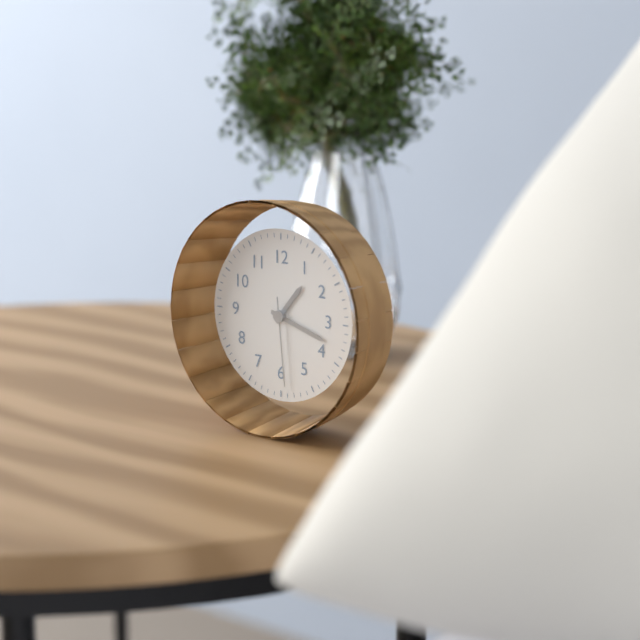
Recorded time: 1:18:29
